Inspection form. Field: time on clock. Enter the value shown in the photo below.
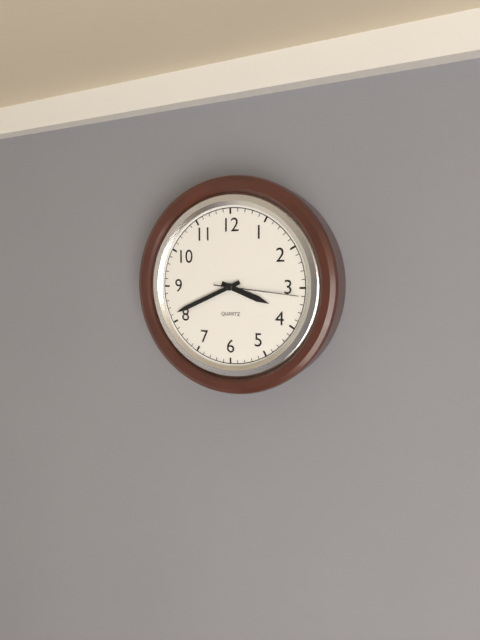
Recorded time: 3:41:16
